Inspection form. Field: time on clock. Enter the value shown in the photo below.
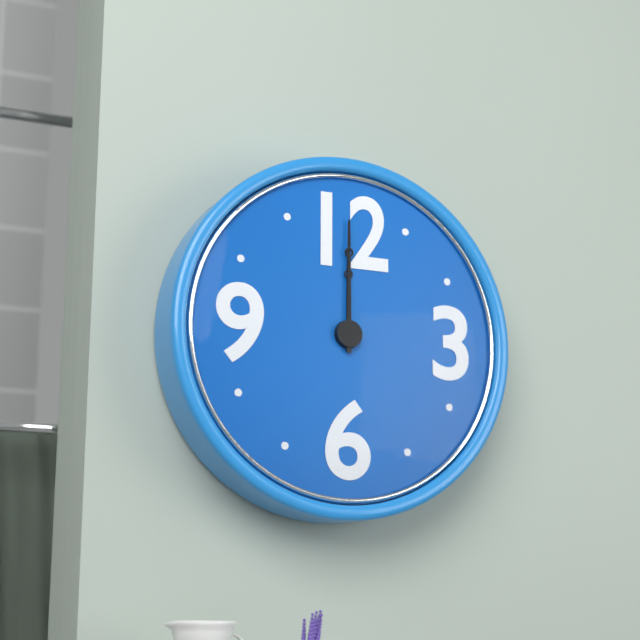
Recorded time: 12:00
